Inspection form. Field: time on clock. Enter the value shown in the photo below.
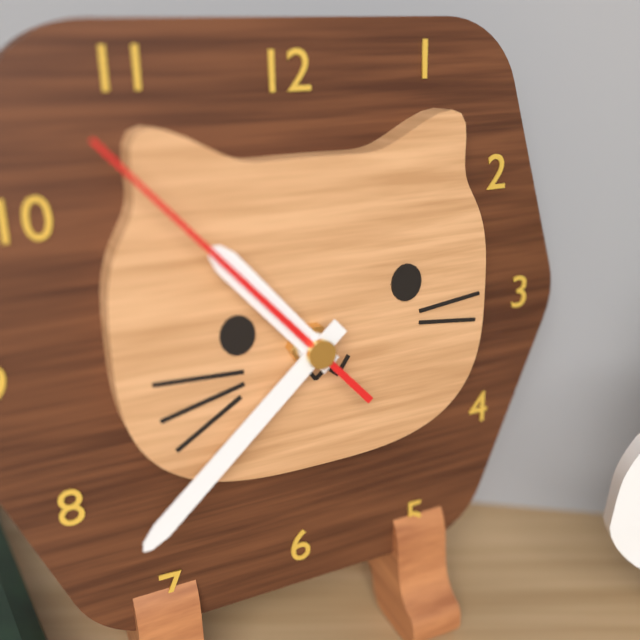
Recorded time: 10:38:53
